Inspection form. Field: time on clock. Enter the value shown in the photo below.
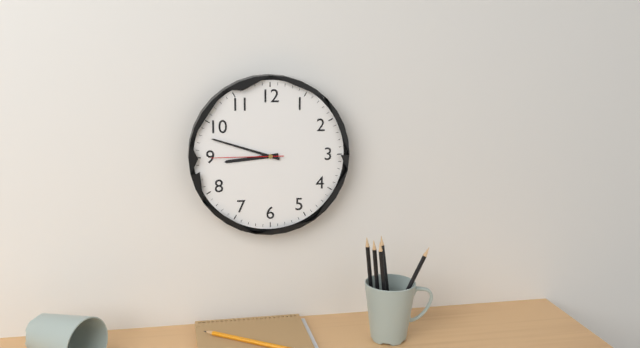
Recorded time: 8:48:45
